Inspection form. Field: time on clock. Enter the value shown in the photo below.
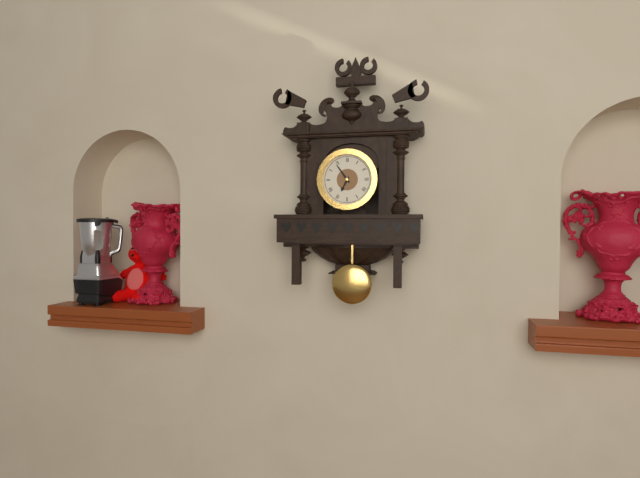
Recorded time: 6:54
